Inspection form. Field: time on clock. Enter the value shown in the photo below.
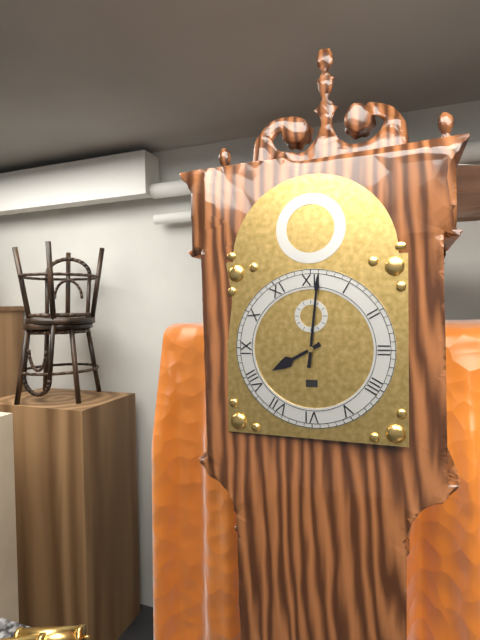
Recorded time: 8:01
